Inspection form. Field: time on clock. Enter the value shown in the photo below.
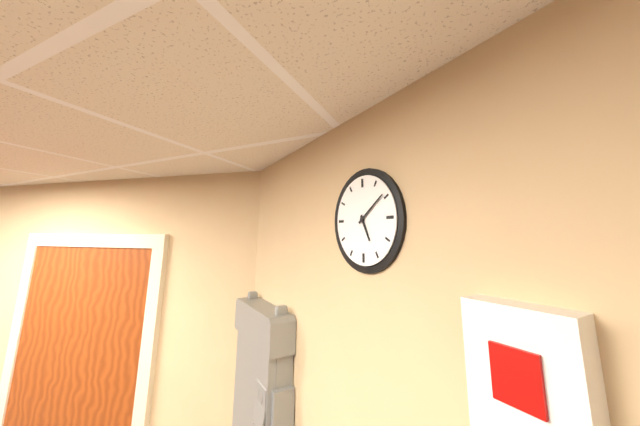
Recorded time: 5:09
